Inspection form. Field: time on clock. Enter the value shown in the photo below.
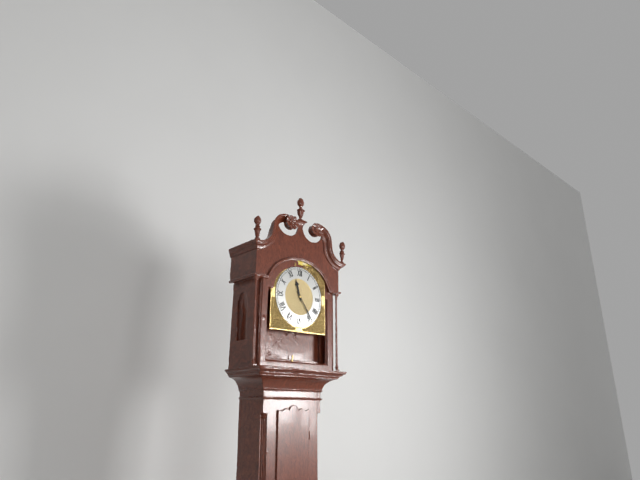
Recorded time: 11:24
